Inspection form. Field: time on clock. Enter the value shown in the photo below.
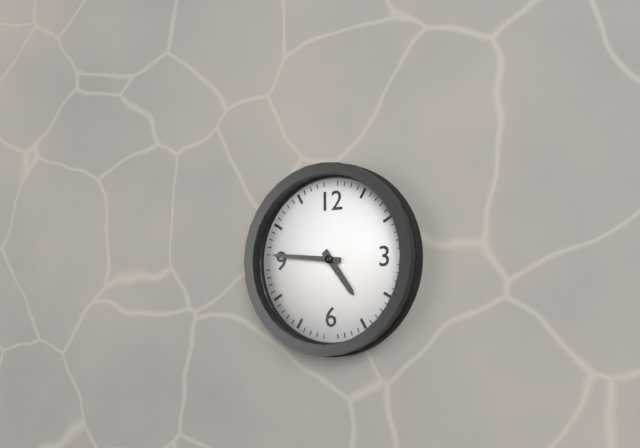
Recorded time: 4:46
